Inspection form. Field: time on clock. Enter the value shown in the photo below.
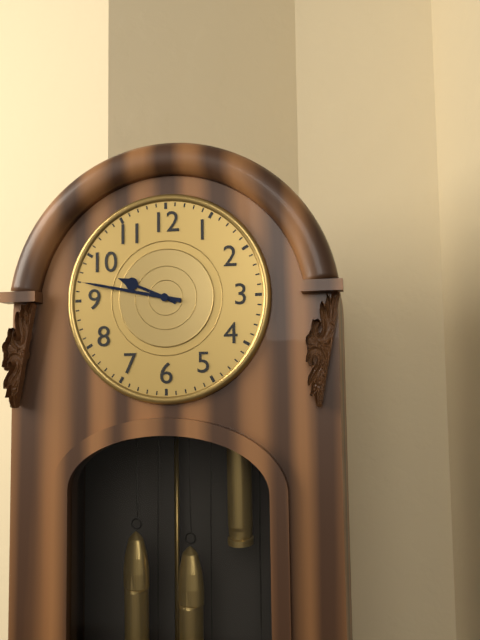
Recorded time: 9:47
